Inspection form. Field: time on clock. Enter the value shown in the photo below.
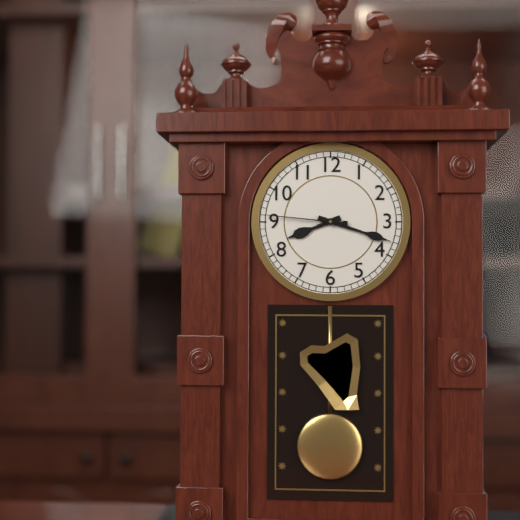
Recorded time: 8:18:46
